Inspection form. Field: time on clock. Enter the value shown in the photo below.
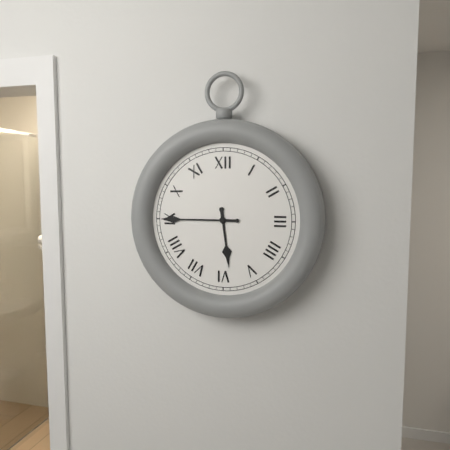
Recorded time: 5:45
